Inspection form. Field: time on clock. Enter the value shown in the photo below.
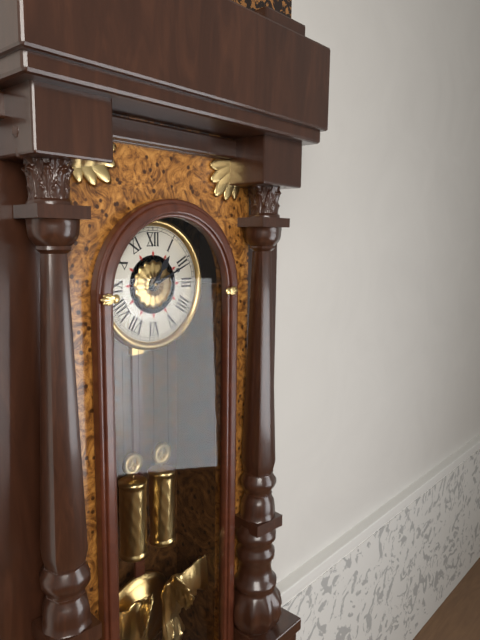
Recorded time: 1:11
